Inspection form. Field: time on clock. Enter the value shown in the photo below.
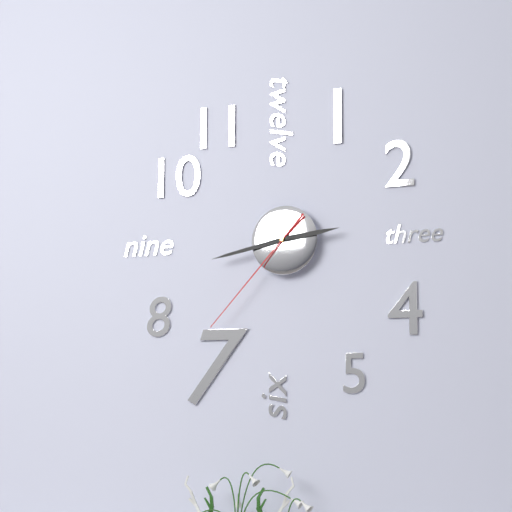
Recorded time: 2:43:37
